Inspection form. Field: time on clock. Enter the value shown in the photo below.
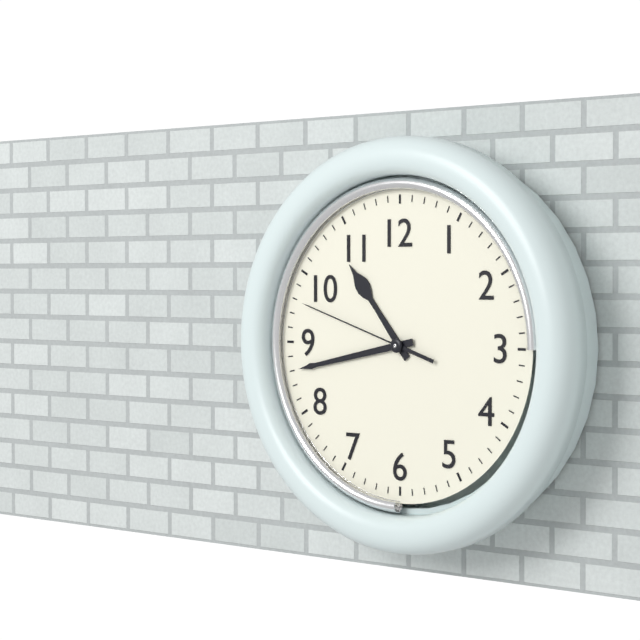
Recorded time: 10:43:48
